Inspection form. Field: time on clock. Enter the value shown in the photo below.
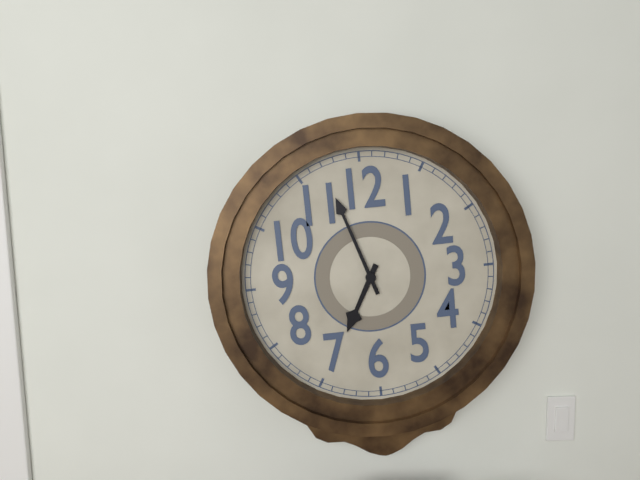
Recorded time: 6:57
